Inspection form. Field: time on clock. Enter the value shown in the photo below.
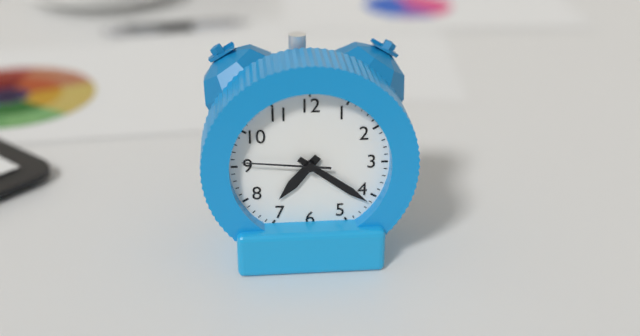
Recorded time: 7:21:46
